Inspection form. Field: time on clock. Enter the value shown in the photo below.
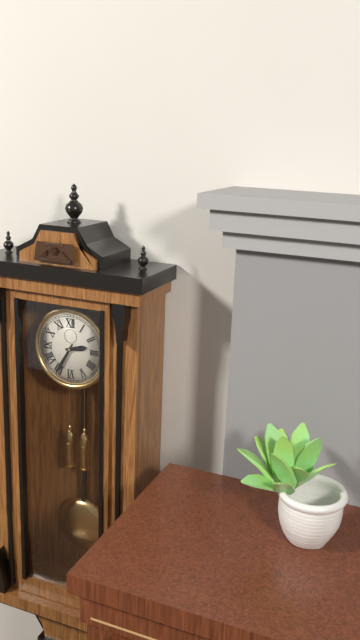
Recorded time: 2:35
